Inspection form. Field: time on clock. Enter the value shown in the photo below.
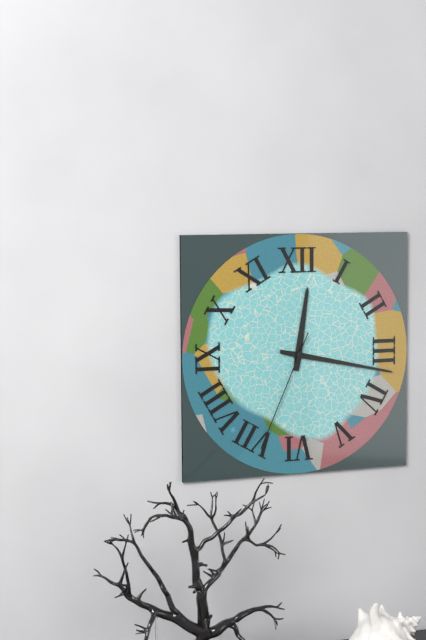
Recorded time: 12:17:34
